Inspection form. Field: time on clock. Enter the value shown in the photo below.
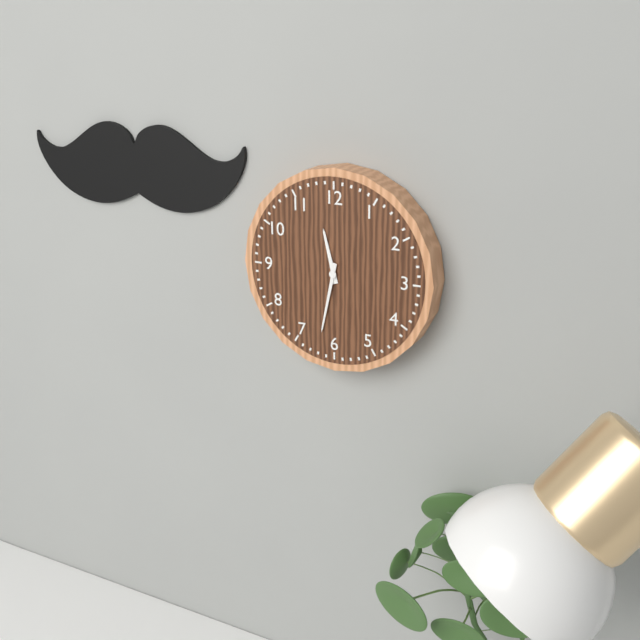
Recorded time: 11:32
